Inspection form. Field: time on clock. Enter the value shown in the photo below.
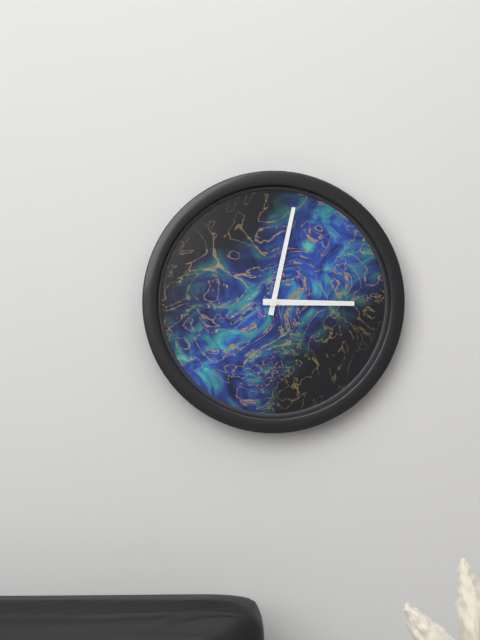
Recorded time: 3:02
